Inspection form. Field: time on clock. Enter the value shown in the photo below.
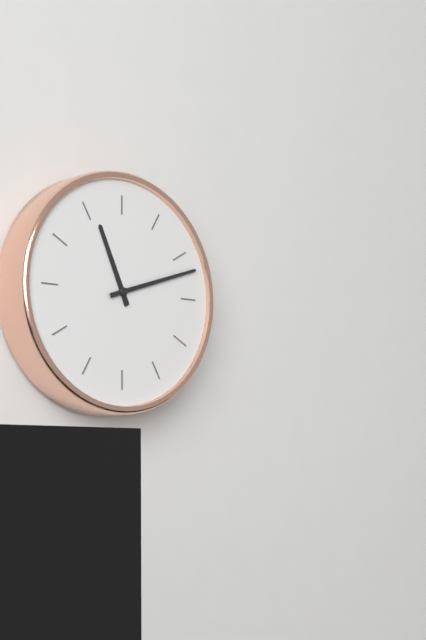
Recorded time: 11:12
